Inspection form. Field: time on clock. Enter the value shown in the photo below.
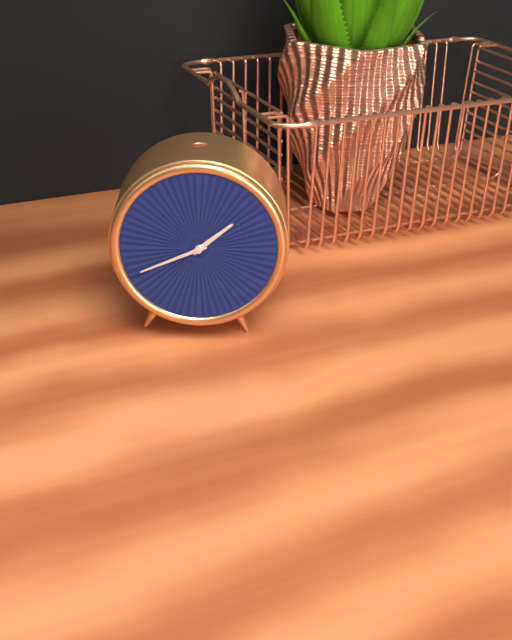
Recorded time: 1:41
